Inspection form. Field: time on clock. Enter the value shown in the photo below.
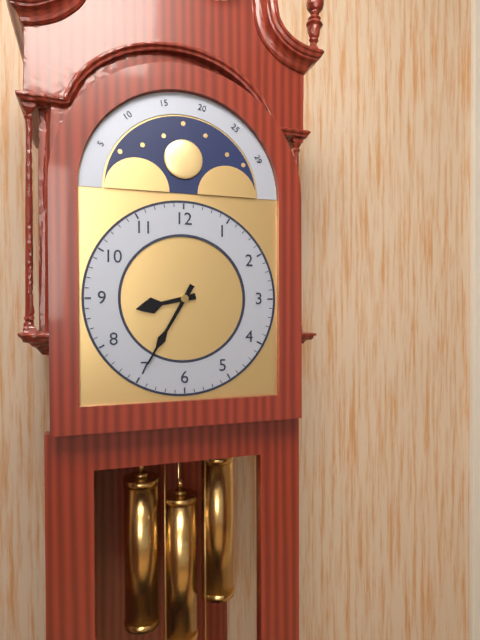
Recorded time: 8:35
